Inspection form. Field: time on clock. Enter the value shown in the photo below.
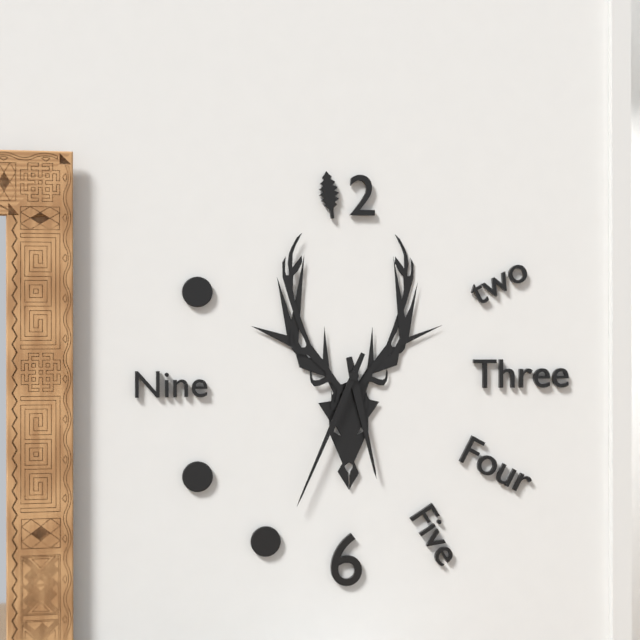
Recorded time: 5:34
